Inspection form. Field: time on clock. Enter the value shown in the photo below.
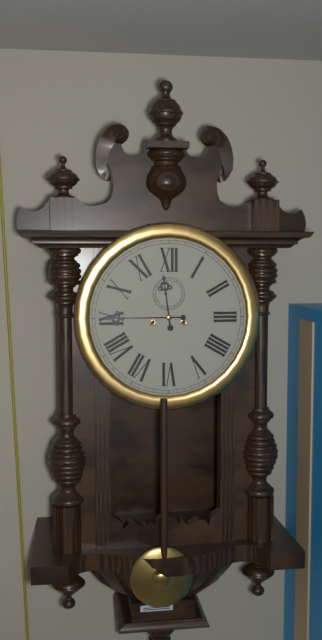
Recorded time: 11:45
